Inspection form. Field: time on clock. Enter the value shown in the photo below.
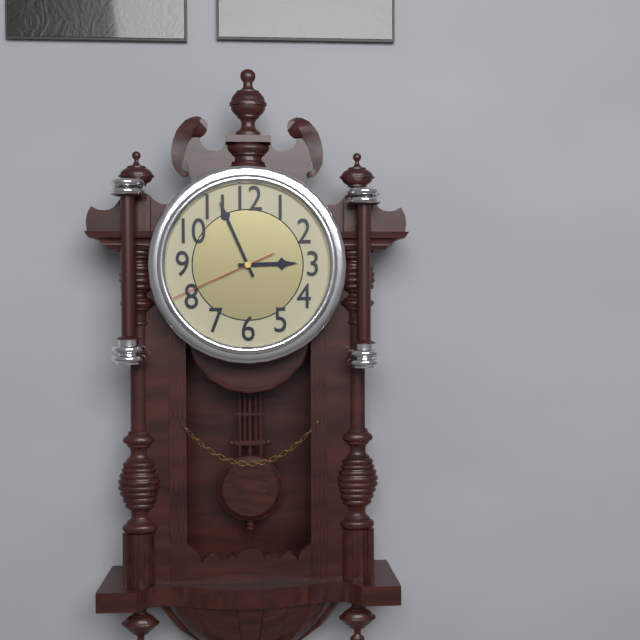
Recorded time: 2:56:41
